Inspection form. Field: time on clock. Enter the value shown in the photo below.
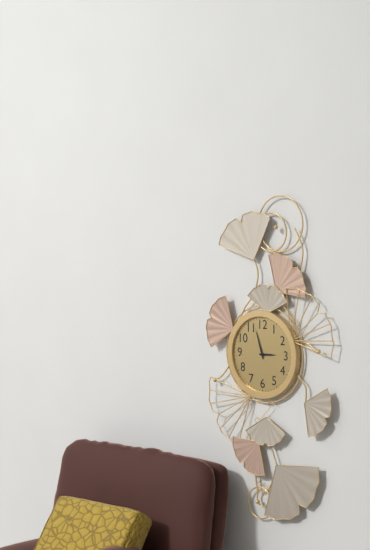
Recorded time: 2:57
